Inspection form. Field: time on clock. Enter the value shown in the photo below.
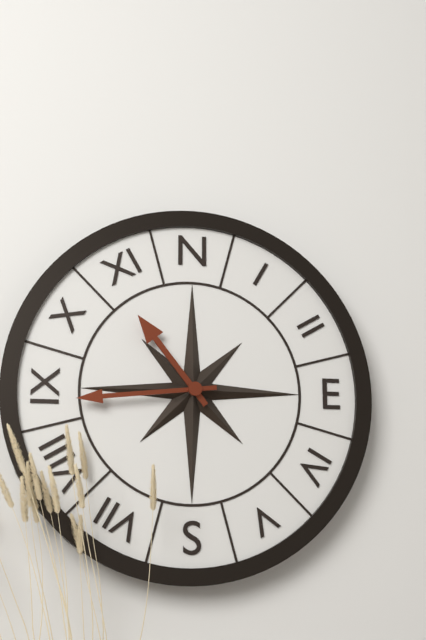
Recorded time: 10:44
